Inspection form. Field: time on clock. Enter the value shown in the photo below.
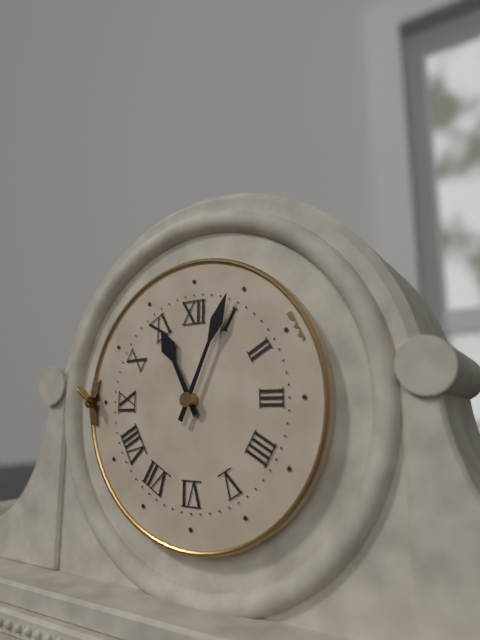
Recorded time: 11:04
